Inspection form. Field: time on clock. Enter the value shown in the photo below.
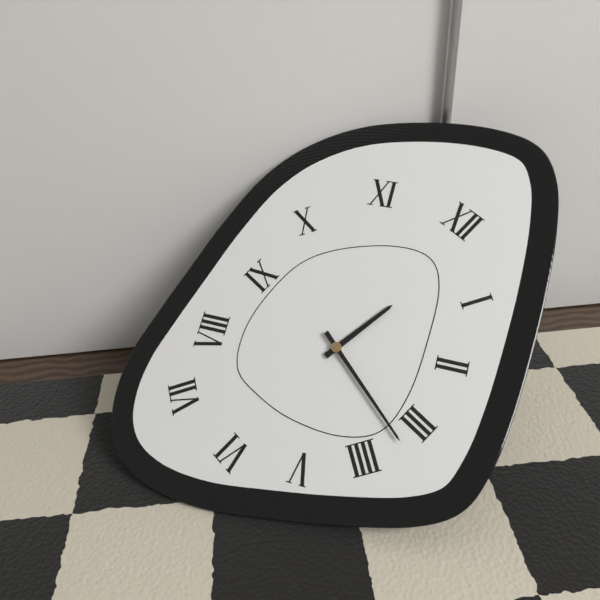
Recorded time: 12:17
